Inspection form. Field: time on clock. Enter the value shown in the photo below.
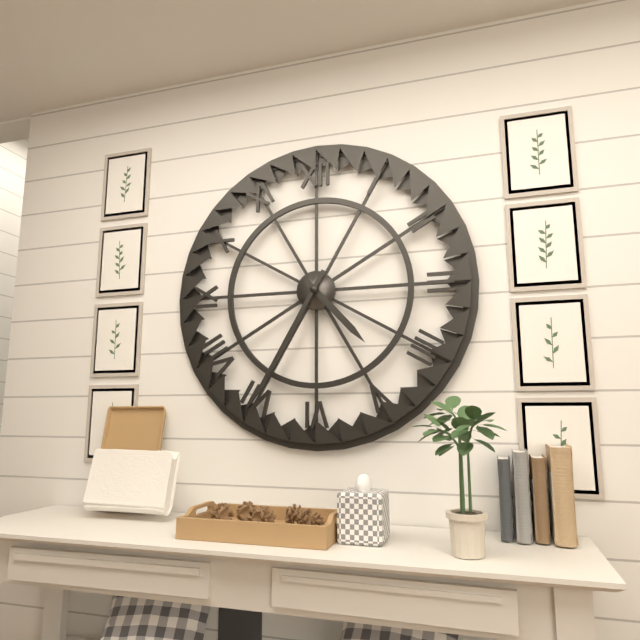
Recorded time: 4:35
